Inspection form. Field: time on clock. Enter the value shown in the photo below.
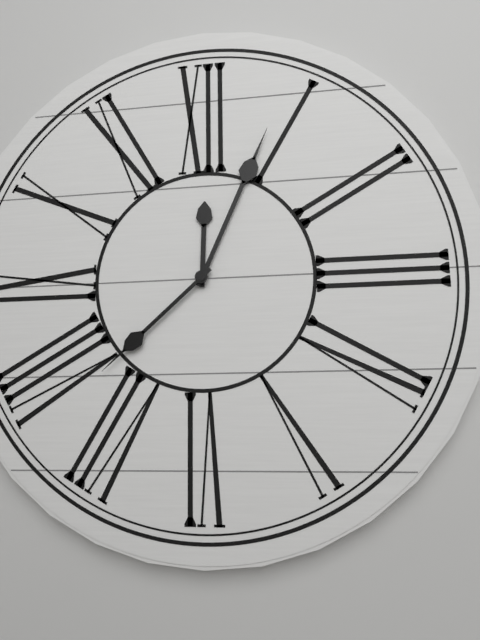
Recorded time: 12:04:38
